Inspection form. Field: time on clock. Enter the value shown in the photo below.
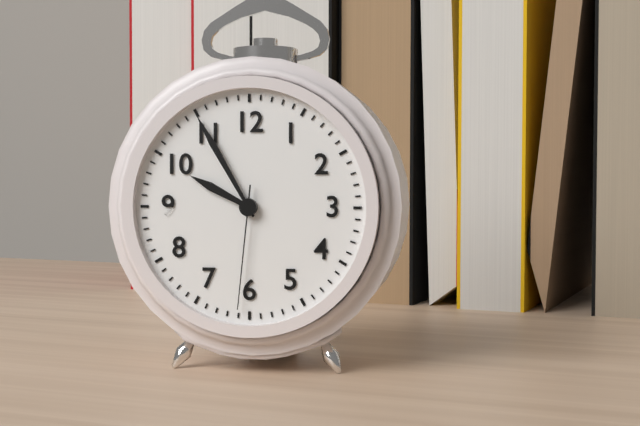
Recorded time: 9:55:31
